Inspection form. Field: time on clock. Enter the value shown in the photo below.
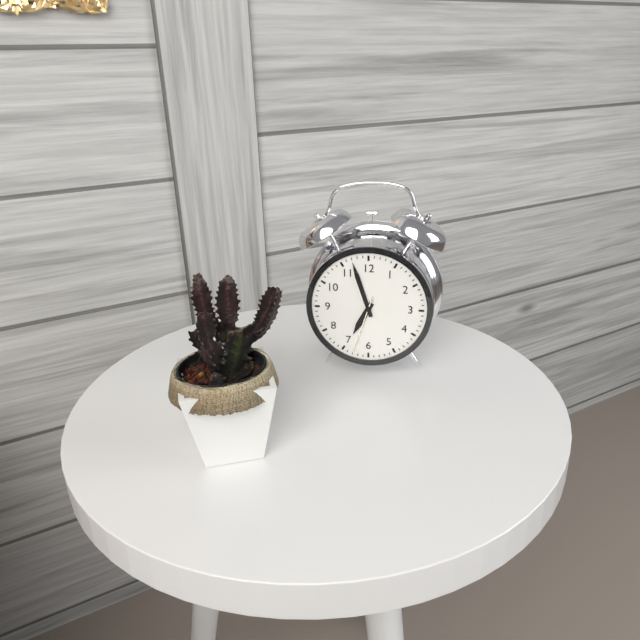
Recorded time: 6:57:33
